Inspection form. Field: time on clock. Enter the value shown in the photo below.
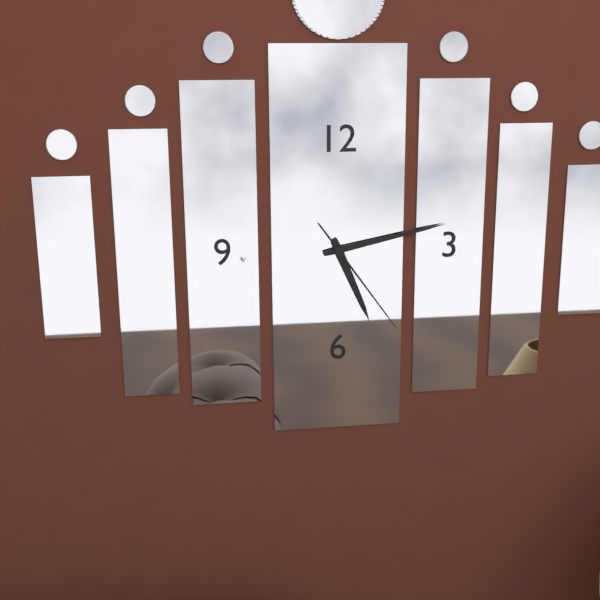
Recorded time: 5:13:24
